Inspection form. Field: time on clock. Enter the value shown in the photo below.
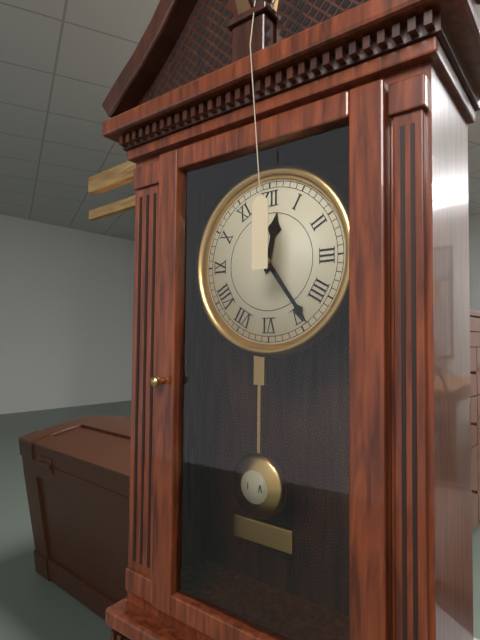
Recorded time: 12:24
